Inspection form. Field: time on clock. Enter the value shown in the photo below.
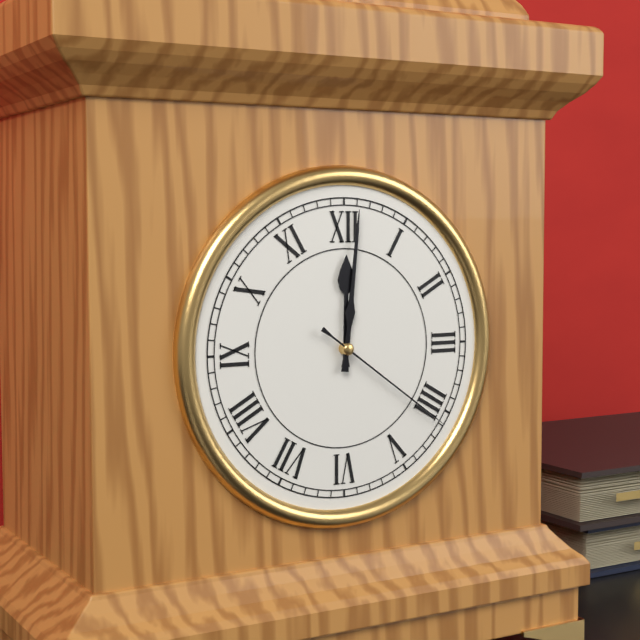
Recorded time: 12:01:21
